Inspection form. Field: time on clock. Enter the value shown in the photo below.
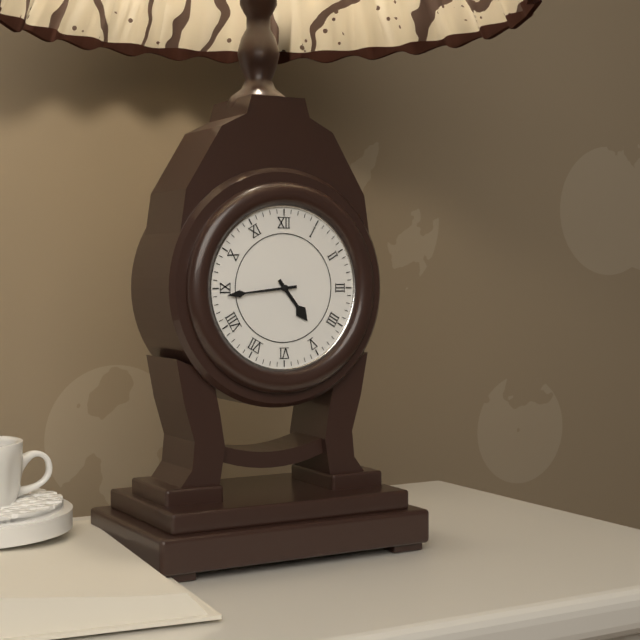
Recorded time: 4:44
